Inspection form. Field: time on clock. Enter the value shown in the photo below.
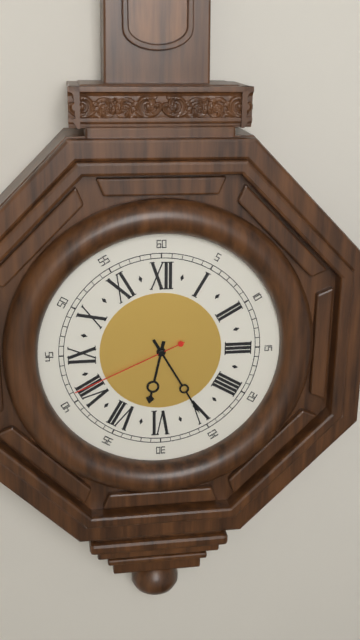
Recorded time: 6:25:41
